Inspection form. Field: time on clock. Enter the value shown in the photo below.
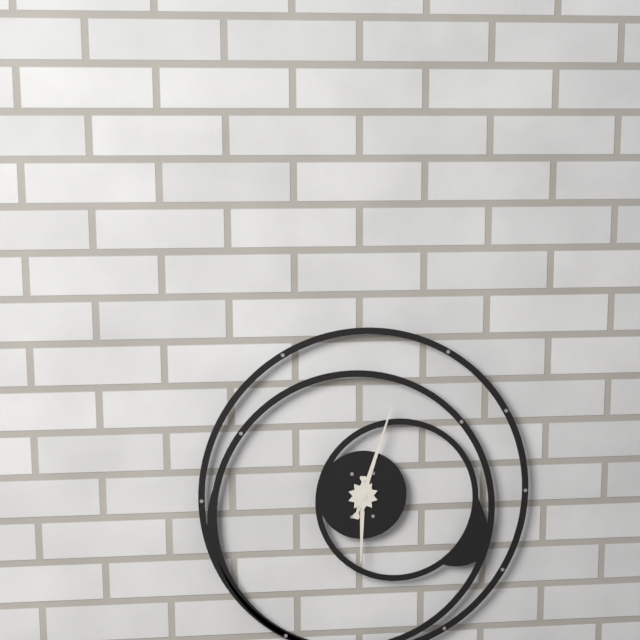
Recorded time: 6:03
